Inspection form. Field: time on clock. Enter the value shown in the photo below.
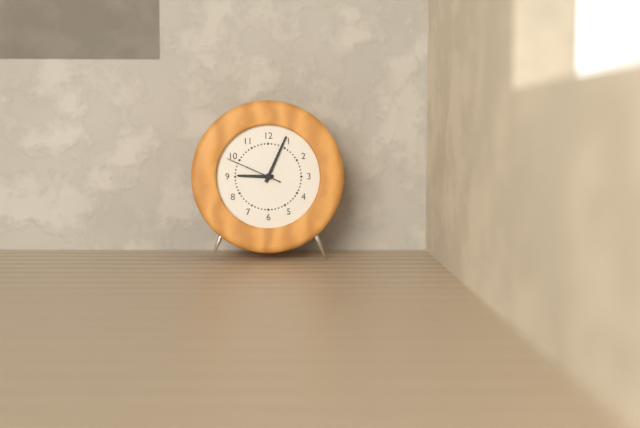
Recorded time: 9:04:49
